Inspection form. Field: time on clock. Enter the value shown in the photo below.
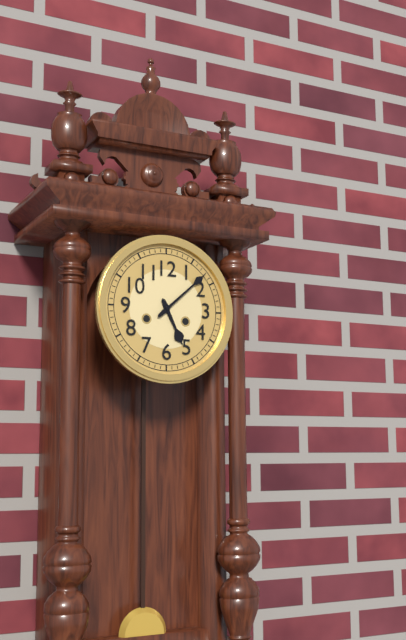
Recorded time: 5:08
